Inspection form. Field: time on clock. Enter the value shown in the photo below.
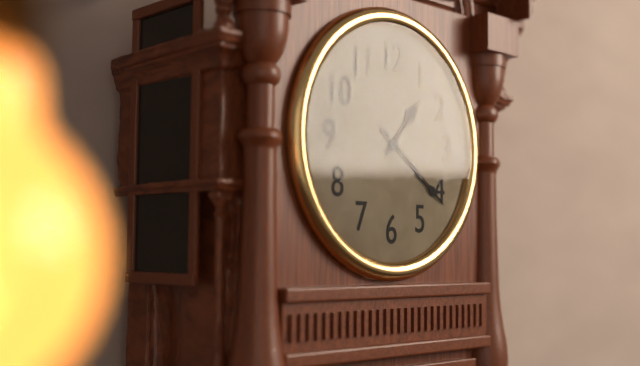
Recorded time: 1:21
